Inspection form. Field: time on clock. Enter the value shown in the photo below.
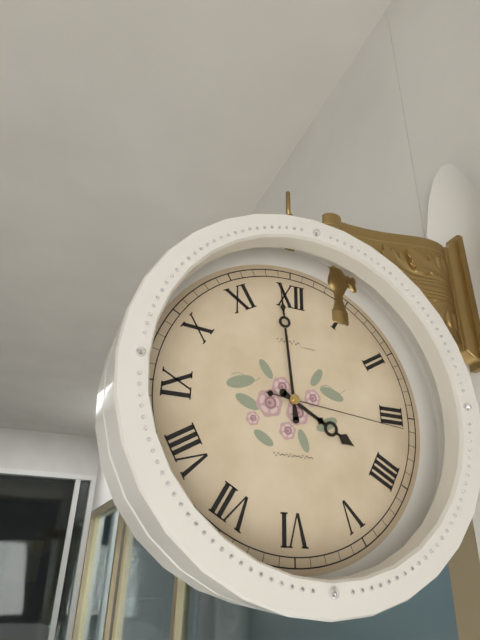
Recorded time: 3:59:16
